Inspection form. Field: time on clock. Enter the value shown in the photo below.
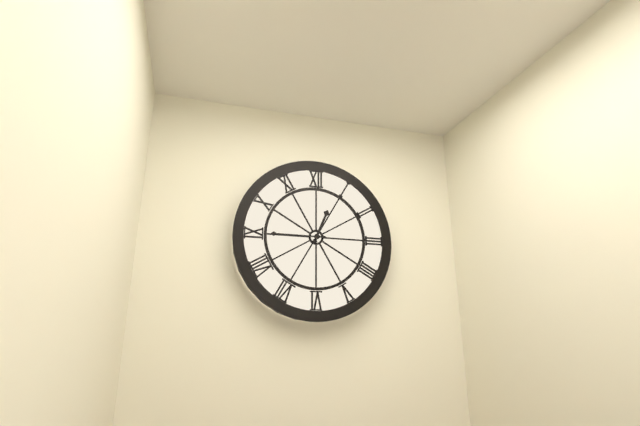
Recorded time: 12:45
